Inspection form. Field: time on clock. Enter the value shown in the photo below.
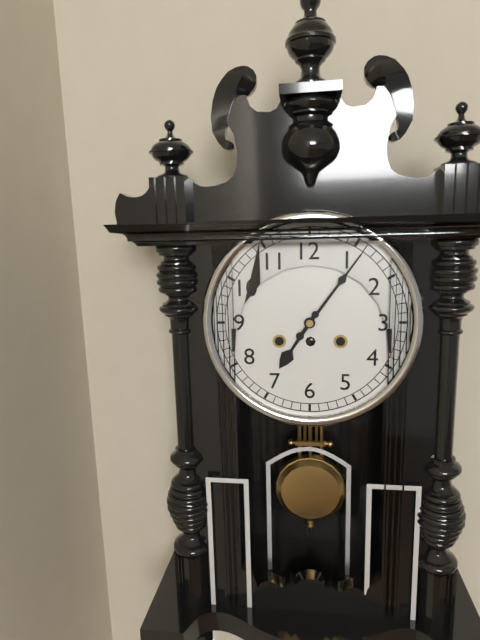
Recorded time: 7:06
